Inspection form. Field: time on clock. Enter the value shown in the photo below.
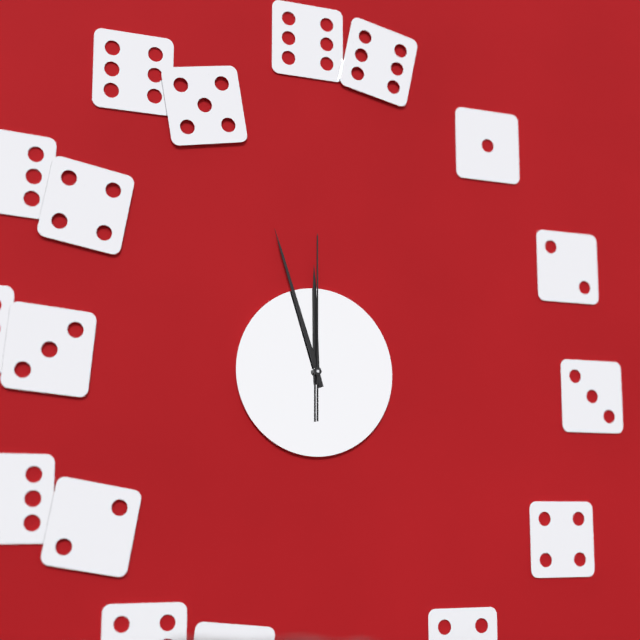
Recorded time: 11:57:00
